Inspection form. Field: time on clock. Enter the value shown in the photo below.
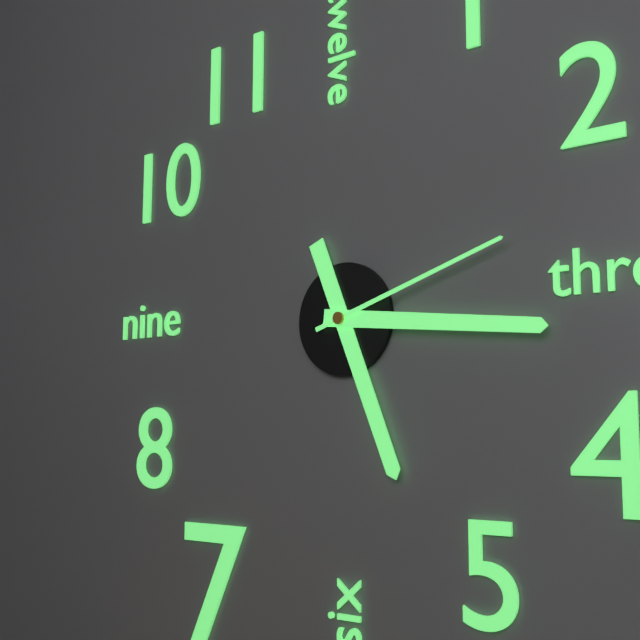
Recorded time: 5:16:12
